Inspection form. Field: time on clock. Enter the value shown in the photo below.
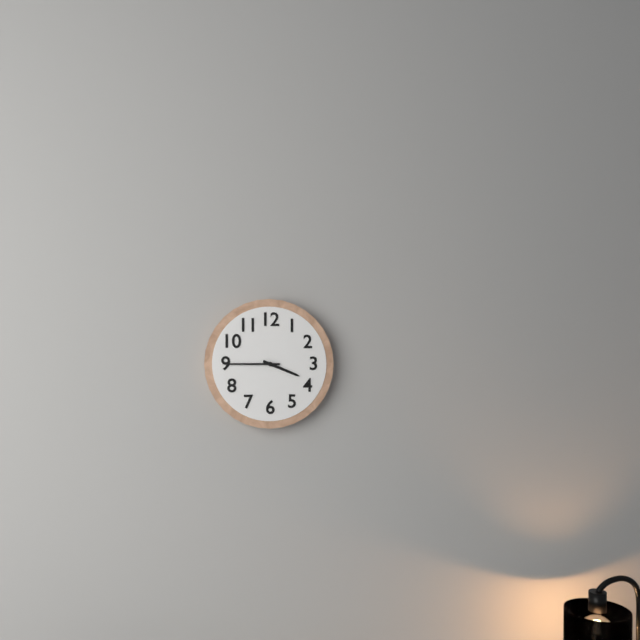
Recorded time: 3:45
